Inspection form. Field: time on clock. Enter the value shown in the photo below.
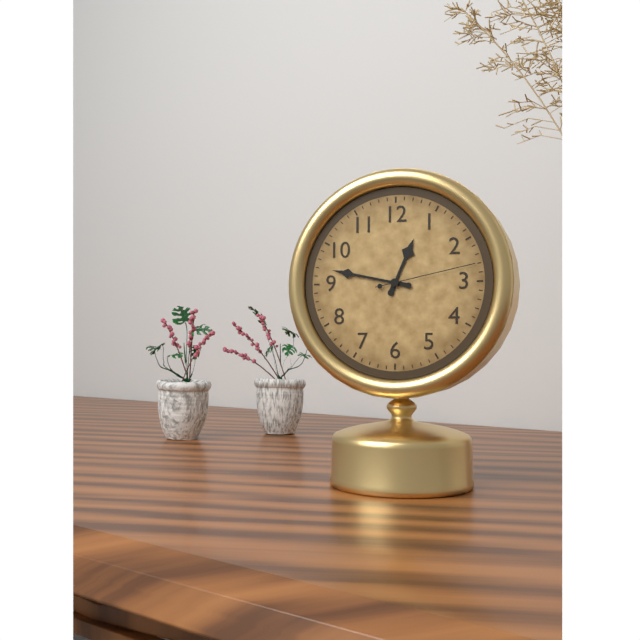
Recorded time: 12:47:13
